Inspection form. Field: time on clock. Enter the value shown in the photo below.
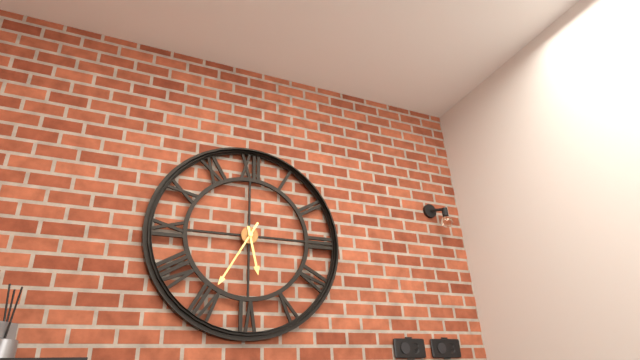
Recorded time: 5:35
